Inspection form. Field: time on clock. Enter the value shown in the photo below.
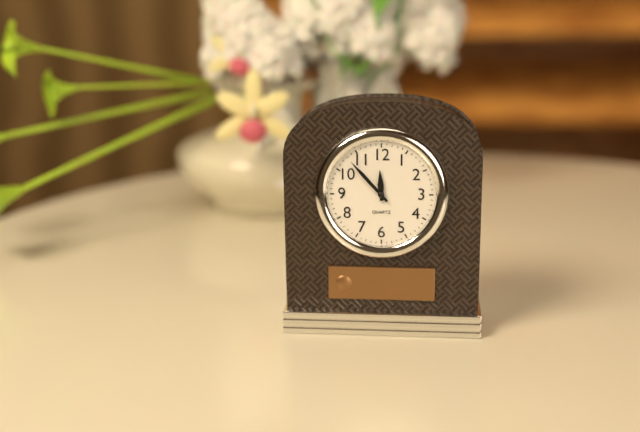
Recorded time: 11:53
